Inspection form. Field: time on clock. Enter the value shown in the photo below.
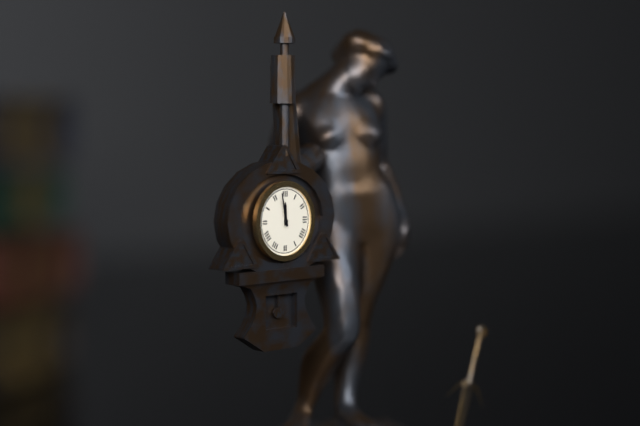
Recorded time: 11:58
